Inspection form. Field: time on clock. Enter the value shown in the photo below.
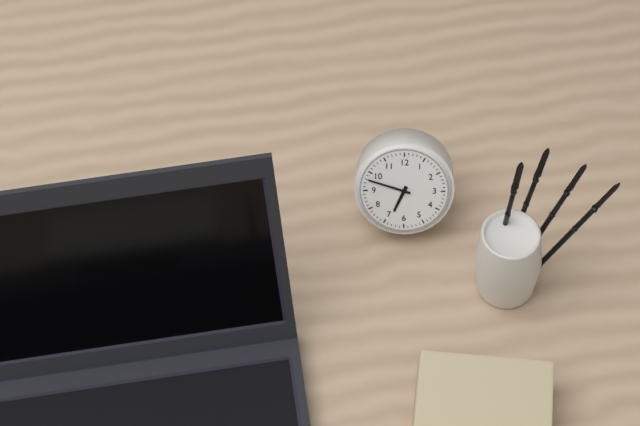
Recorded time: 6:48
